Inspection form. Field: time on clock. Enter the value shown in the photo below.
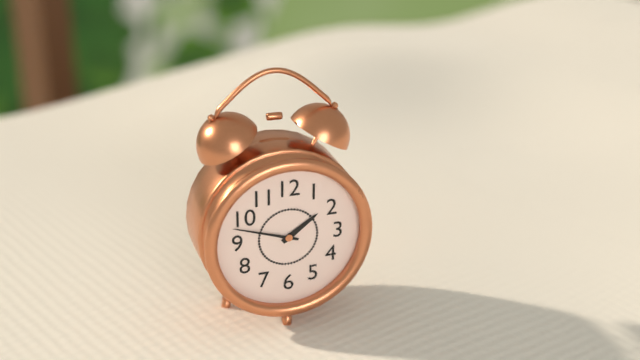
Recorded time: 1:48
